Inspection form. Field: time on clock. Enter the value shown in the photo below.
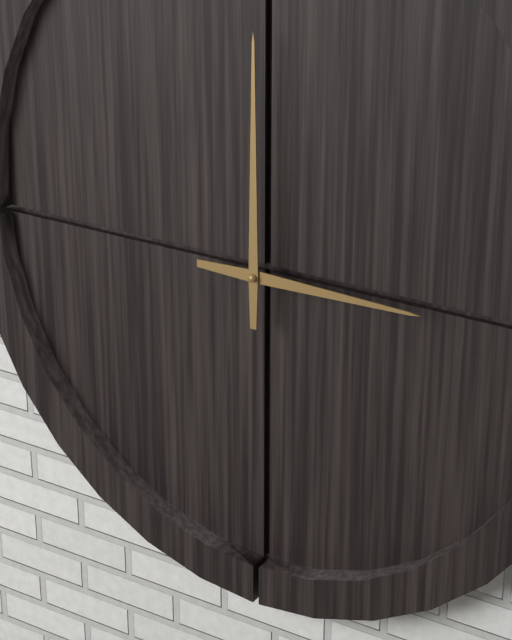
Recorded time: 3:00
